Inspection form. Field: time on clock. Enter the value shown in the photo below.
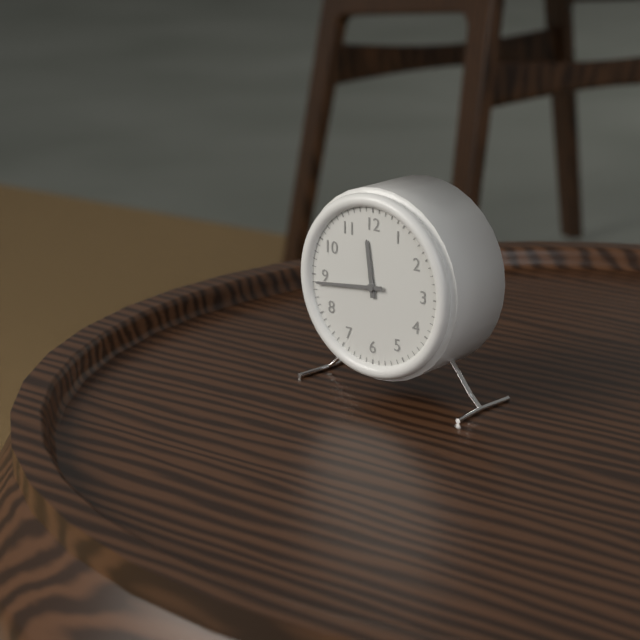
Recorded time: 11:44
